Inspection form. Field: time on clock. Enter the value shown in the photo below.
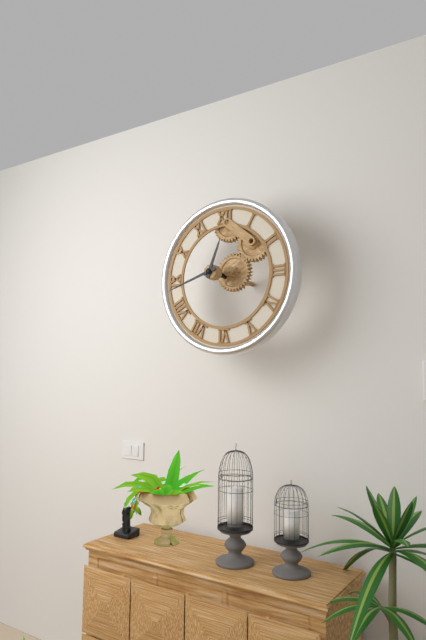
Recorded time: 12:42
